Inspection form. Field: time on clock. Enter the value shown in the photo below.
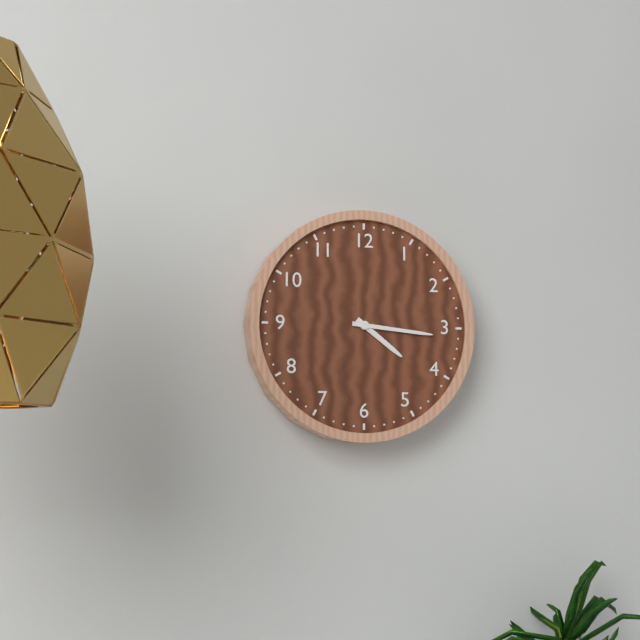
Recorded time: 4:16
